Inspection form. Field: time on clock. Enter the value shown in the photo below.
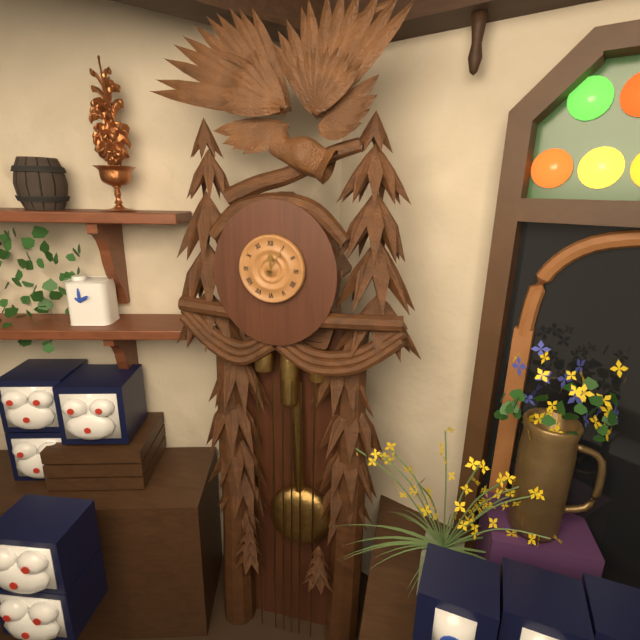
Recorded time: 12:05
